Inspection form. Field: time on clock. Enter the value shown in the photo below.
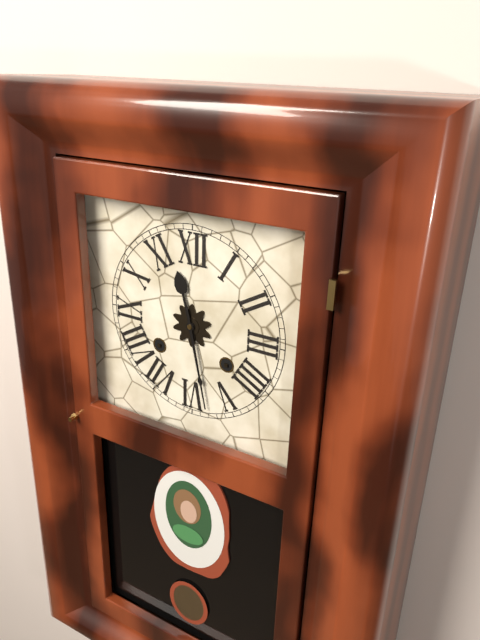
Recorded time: 11:28
